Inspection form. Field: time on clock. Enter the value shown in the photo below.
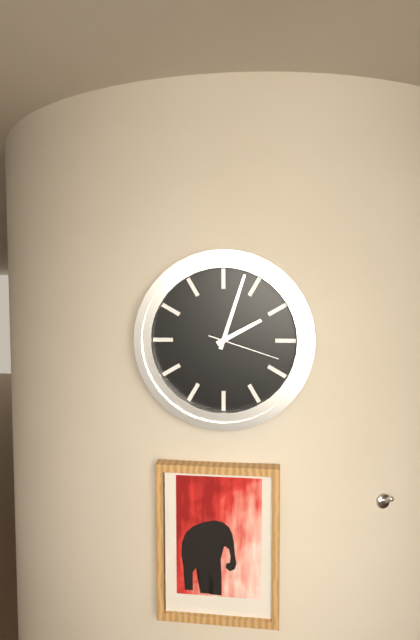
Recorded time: 2:03:18
